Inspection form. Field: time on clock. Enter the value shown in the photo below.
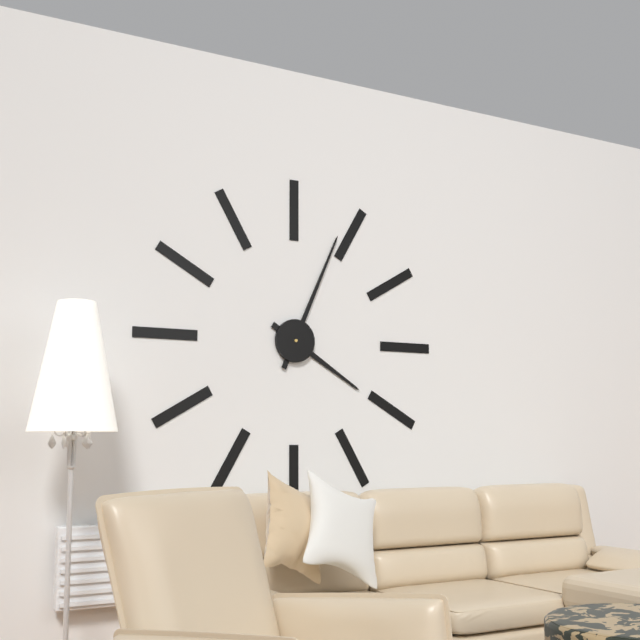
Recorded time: 4:04
